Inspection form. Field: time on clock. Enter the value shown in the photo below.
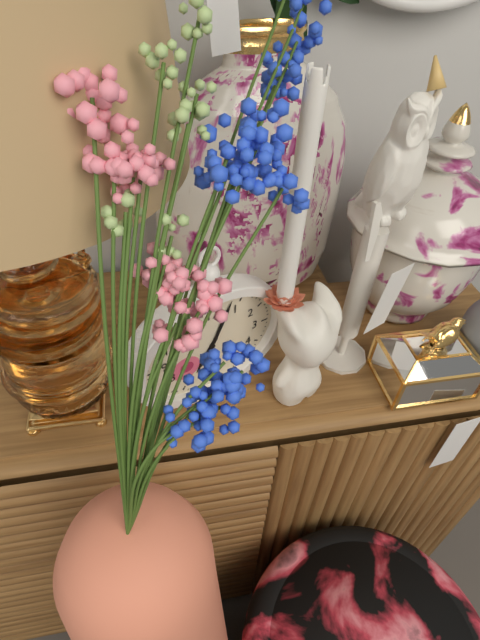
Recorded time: 7:04
